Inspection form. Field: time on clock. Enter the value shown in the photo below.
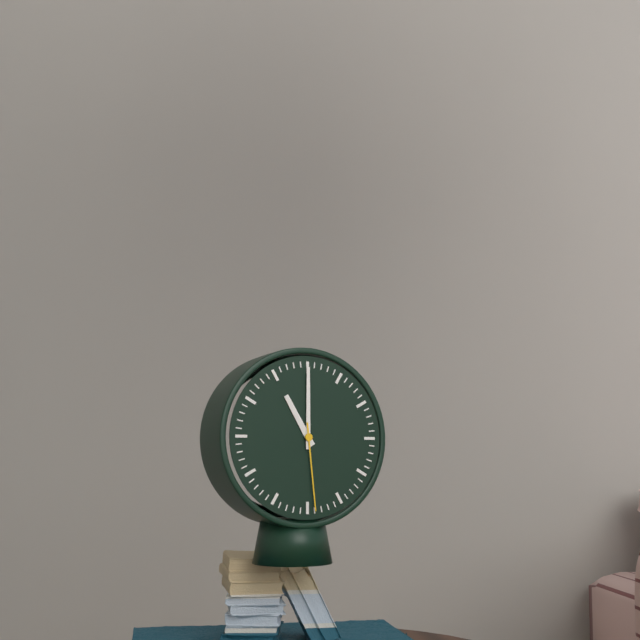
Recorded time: 11:00:29
